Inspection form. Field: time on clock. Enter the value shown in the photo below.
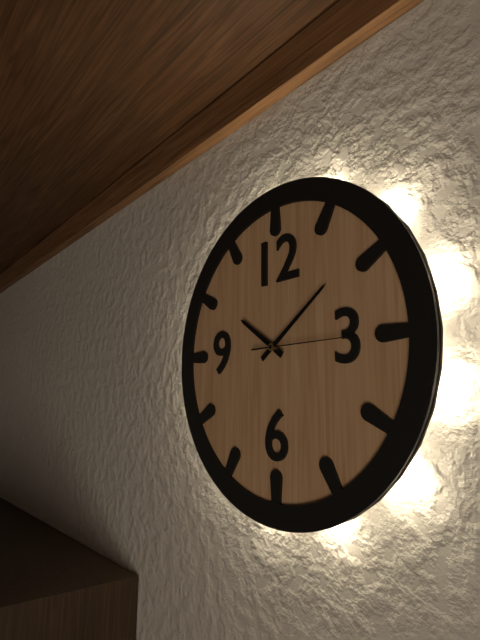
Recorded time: 10:09:15
